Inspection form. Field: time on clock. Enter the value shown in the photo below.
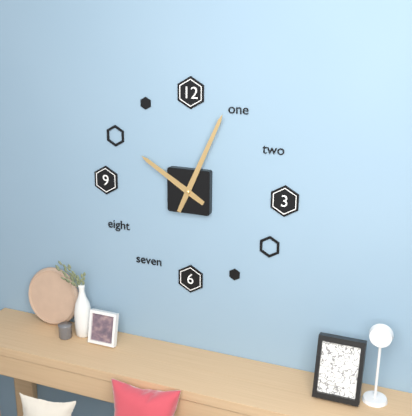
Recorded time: 10:04
